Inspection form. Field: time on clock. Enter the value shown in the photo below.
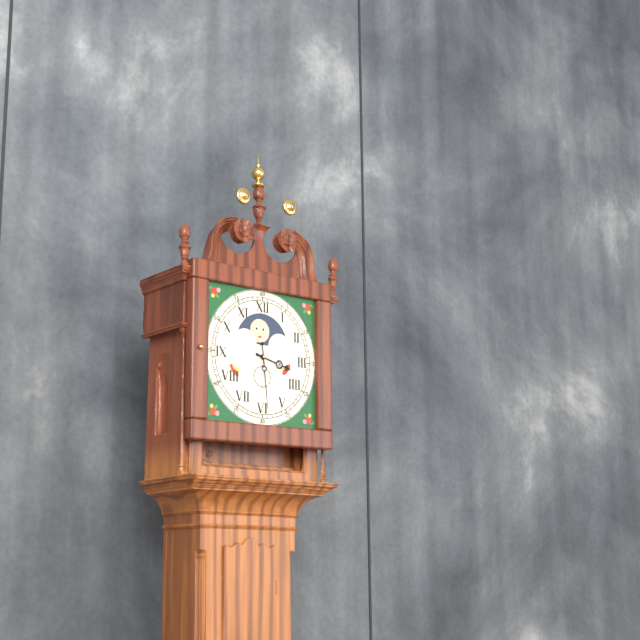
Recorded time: 3:29
